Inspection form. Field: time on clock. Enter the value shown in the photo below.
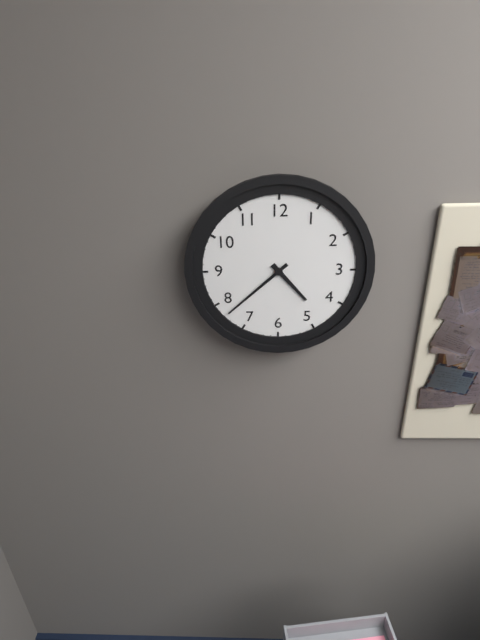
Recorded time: 4:38
